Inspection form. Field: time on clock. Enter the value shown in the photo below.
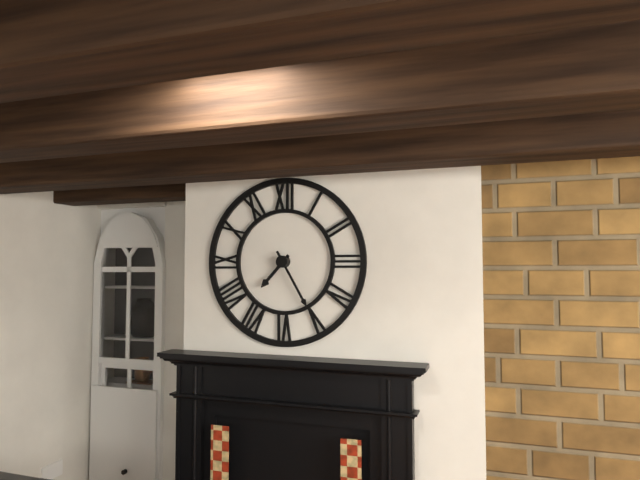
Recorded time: 7:25
